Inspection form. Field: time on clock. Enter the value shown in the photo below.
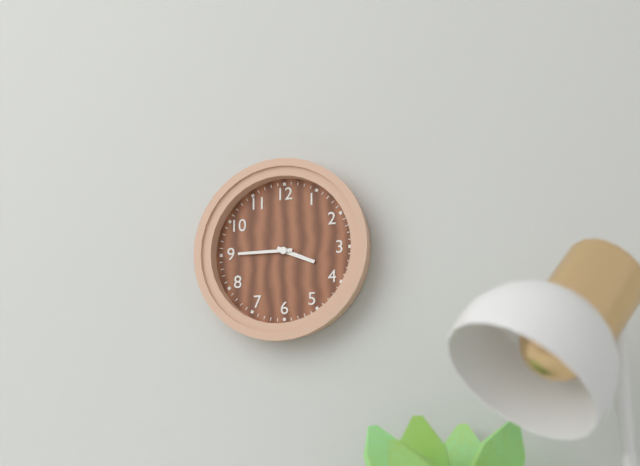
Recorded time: 3:45
